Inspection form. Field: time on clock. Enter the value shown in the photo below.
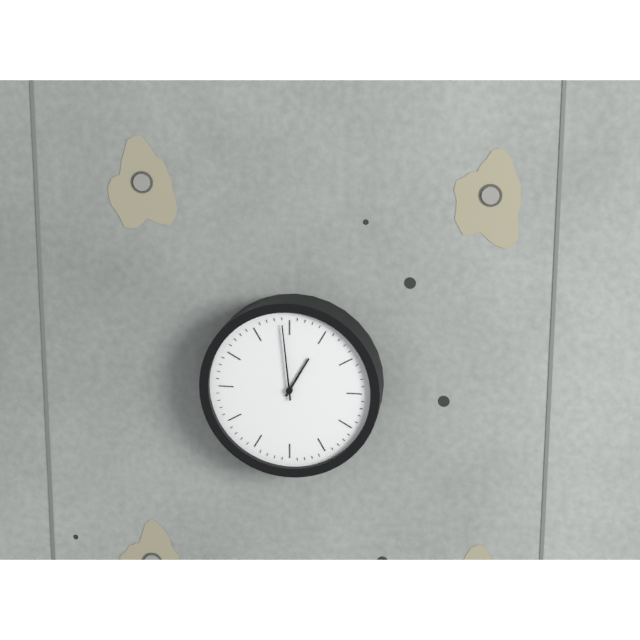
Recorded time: 12:59
